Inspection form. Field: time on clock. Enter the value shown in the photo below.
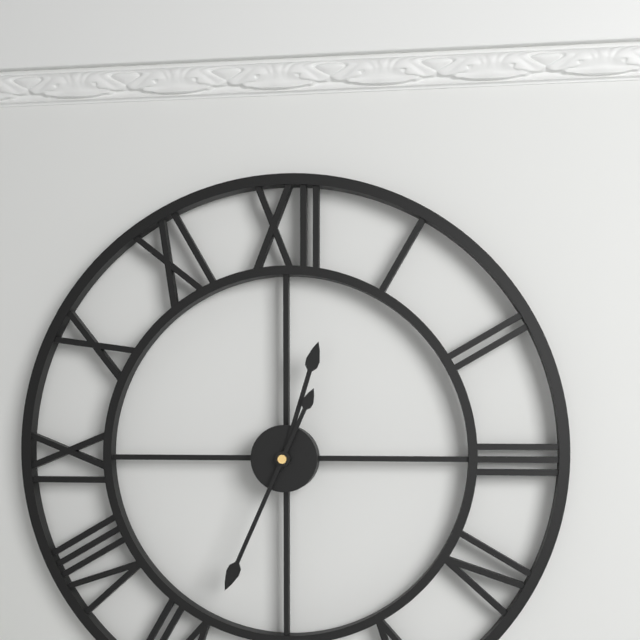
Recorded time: 12:34
